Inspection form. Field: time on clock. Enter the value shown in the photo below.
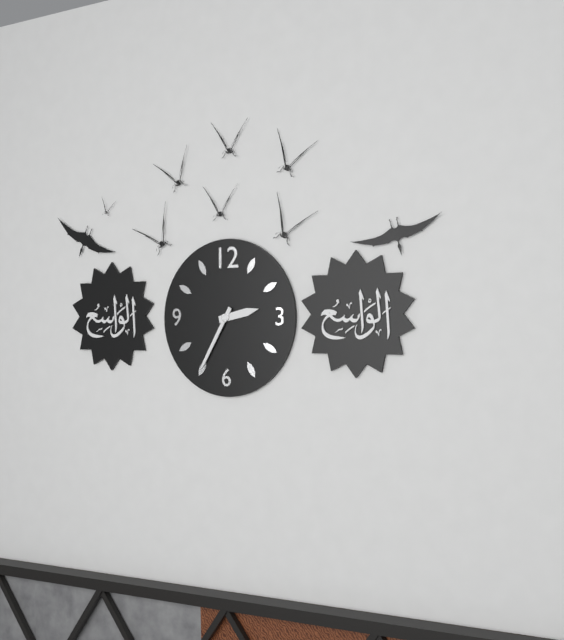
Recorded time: 2:35
